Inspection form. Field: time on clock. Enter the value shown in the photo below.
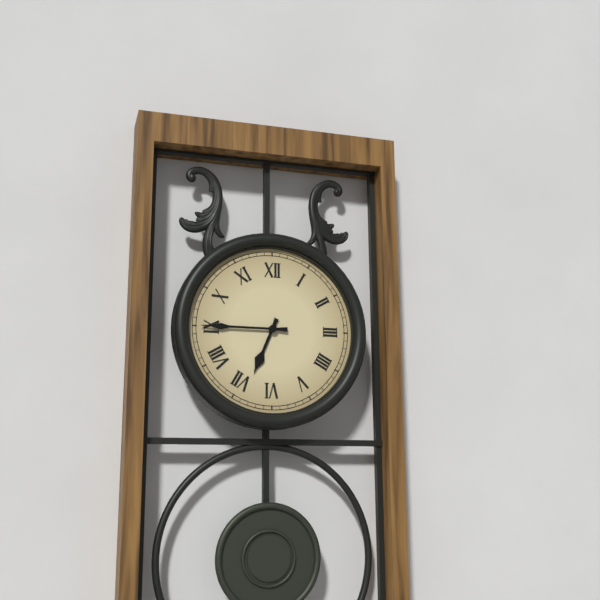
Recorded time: 6:45
